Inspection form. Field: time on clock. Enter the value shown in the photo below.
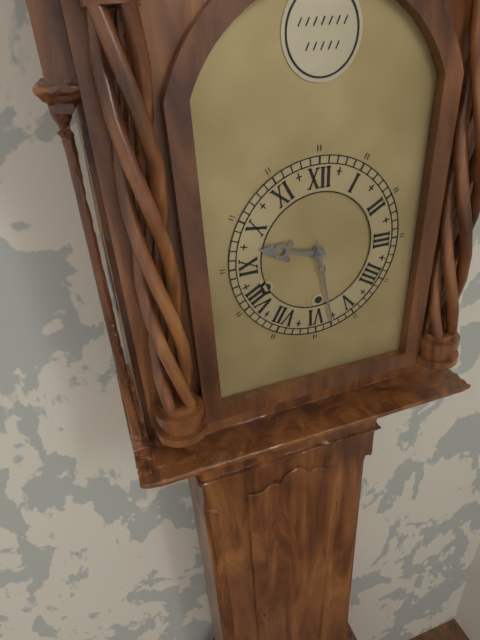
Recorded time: 9:28
